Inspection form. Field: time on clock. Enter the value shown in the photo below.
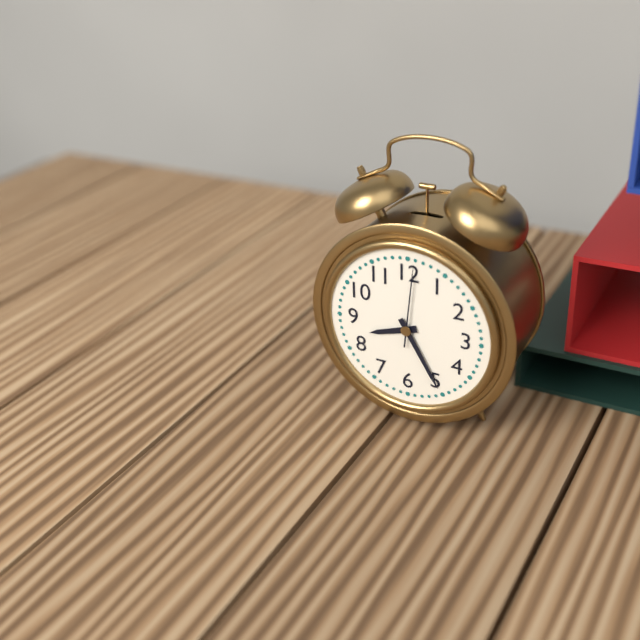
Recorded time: 8:25:01
